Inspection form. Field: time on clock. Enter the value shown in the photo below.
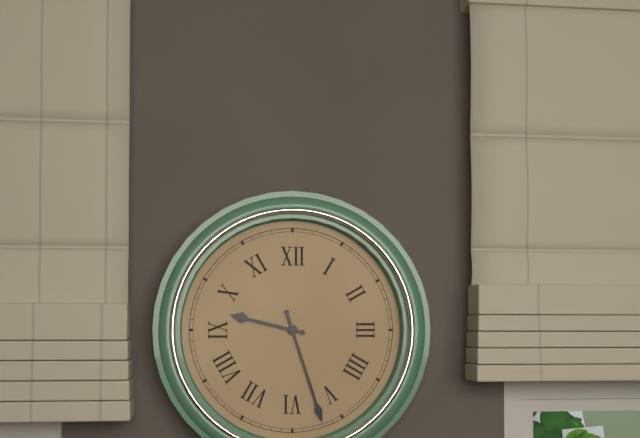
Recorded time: 9:27
